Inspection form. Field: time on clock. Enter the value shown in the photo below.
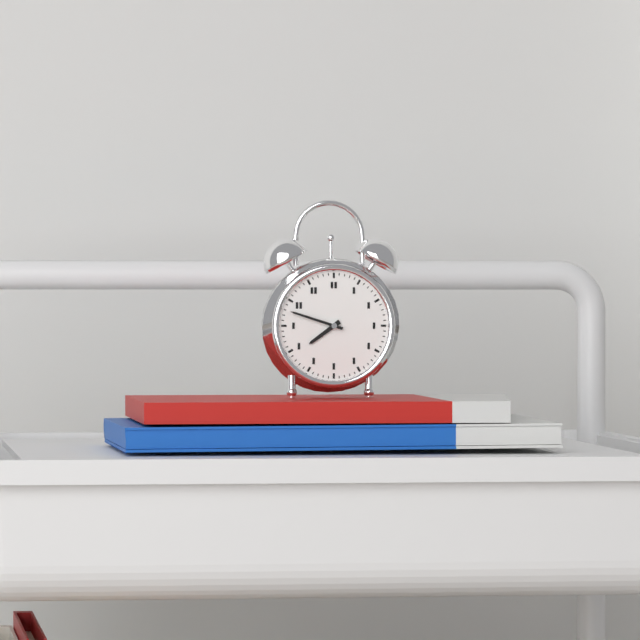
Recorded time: 7:48
